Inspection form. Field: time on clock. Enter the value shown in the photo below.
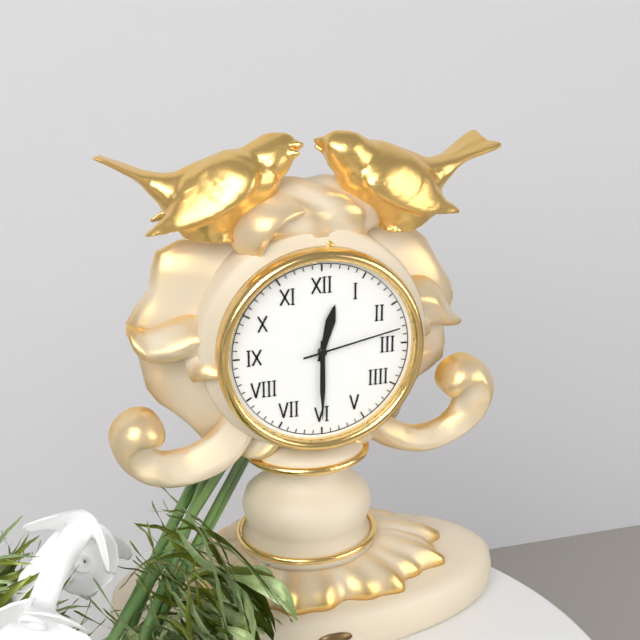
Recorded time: 12:30:13
